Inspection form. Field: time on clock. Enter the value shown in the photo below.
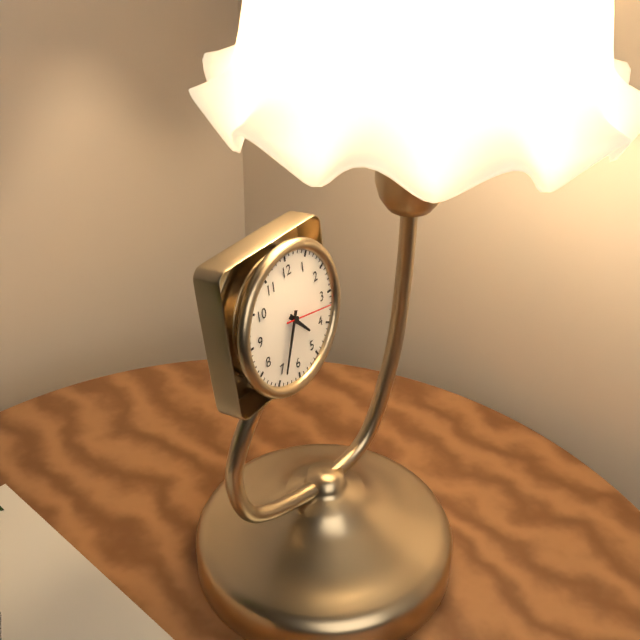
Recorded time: 4:34
